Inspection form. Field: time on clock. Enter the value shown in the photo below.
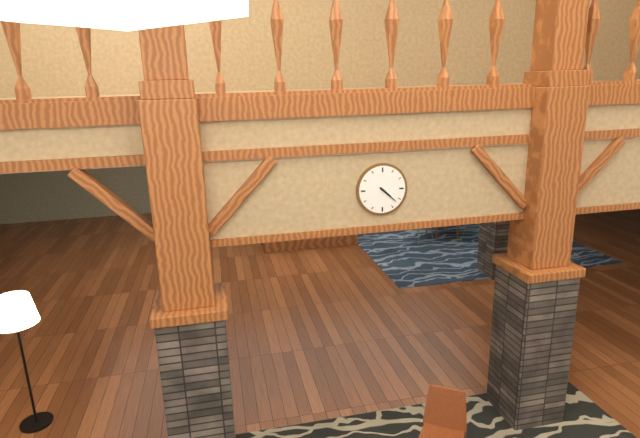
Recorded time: 4:22
